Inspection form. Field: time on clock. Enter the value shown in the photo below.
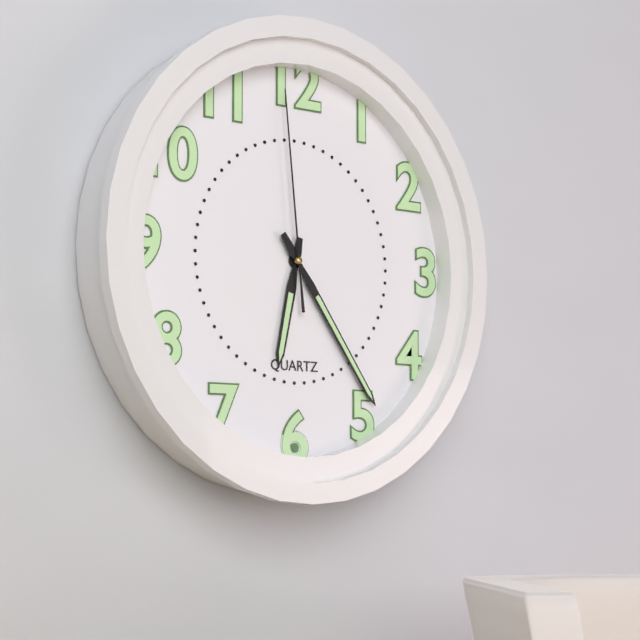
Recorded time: 6:24:59
